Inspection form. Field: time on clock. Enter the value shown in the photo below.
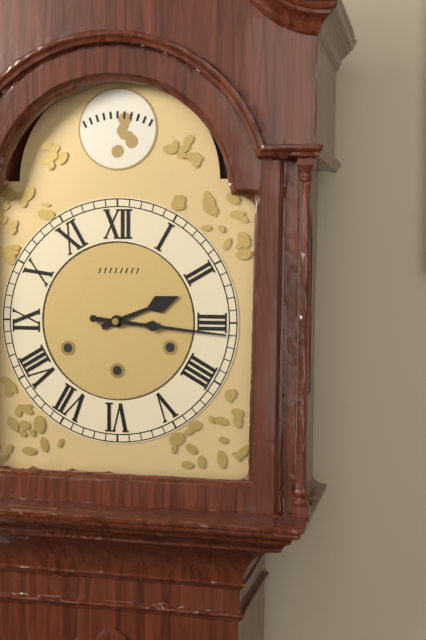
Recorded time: 2:16
